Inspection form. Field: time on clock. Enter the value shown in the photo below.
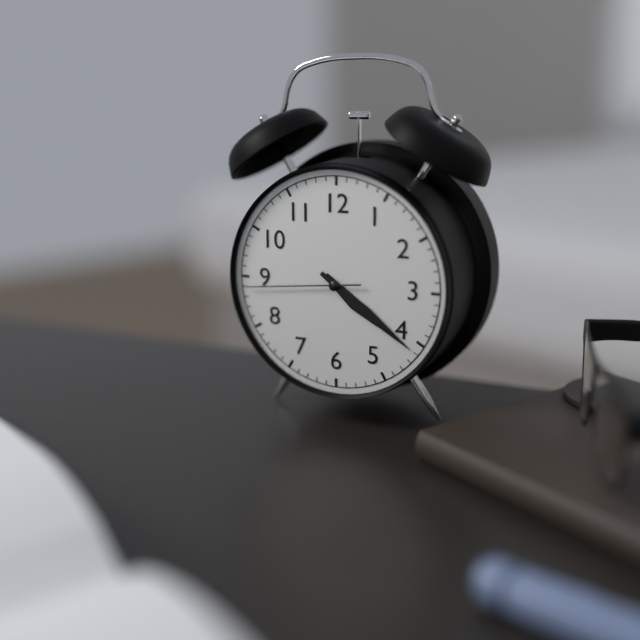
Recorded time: 4:21:44
